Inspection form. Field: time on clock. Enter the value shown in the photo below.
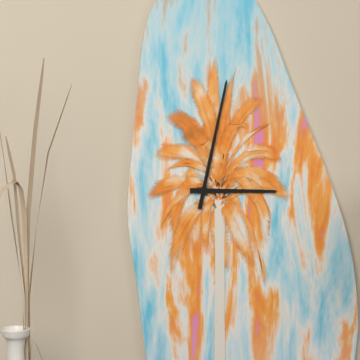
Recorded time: 3:02
